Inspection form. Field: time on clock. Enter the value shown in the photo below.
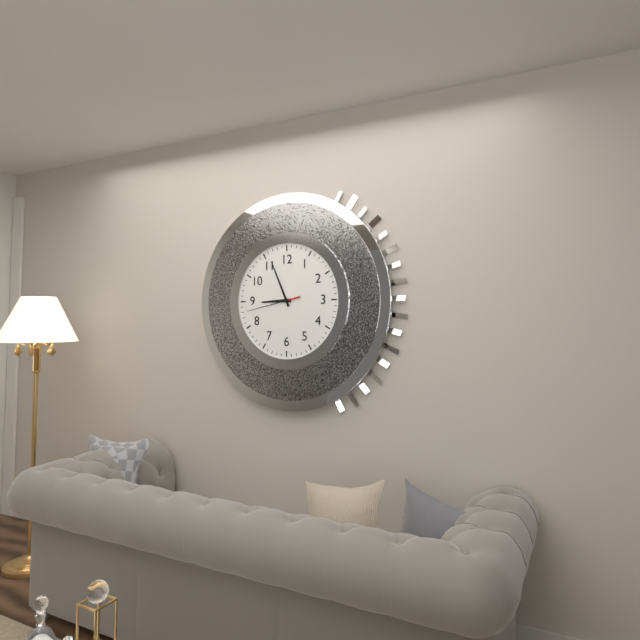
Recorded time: 8:56:43
